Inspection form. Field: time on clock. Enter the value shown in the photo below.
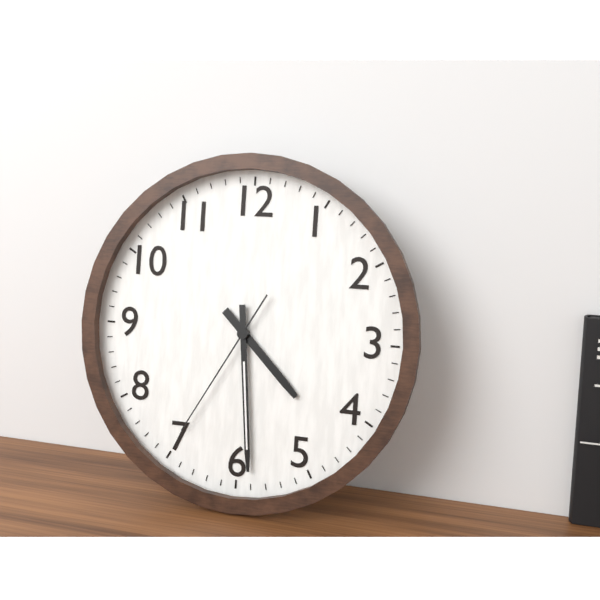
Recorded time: 4:29:35
